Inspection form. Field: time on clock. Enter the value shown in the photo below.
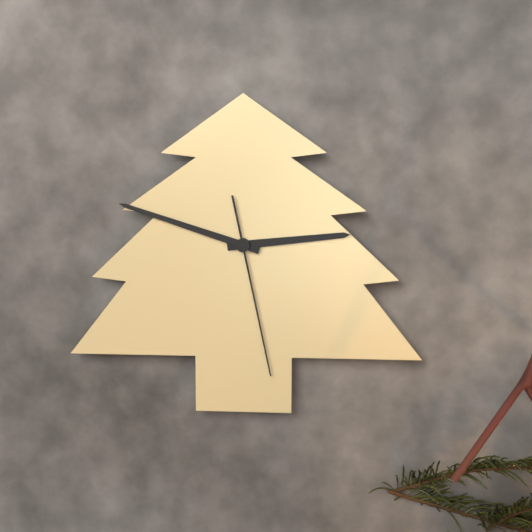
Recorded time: 2:48:28
